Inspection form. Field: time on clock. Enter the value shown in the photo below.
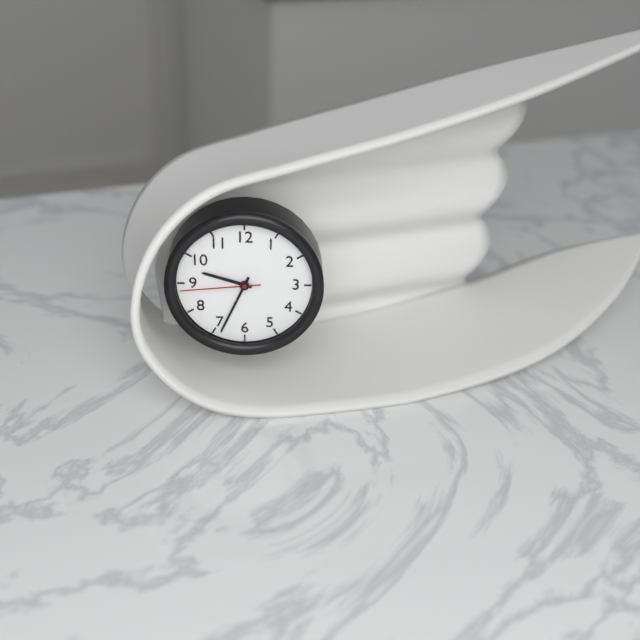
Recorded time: 9:34:44
